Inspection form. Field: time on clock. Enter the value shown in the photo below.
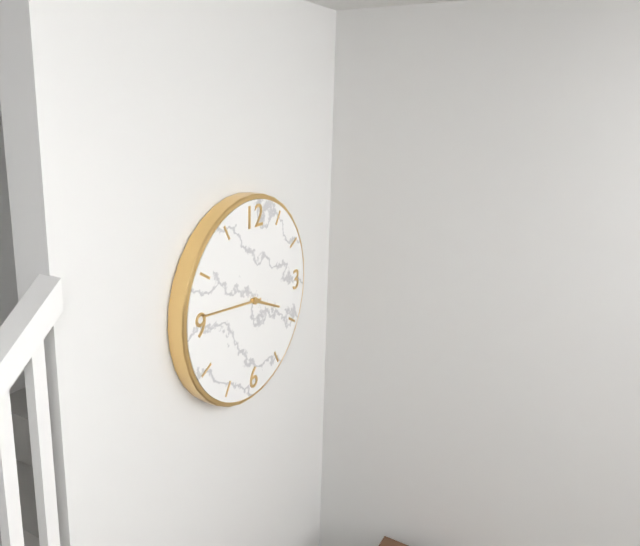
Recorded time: 3:46
